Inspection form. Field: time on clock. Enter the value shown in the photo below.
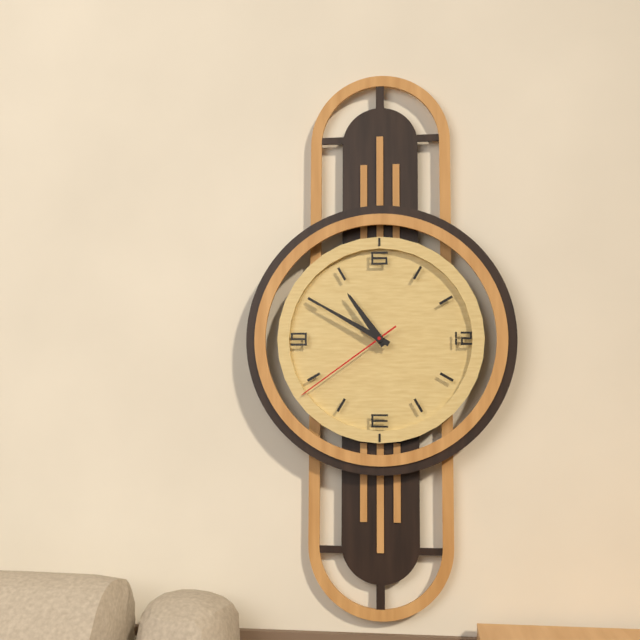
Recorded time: 10:50:39
